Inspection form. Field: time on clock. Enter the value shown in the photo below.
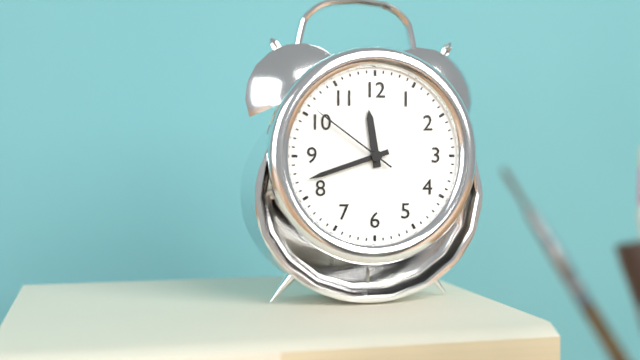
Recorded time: 11:42:51
